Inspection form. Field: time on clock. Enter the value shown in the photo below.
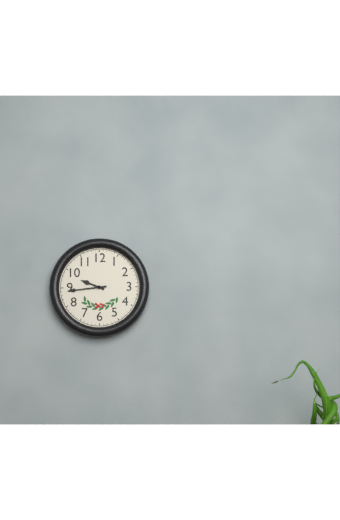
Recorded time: 9:44
